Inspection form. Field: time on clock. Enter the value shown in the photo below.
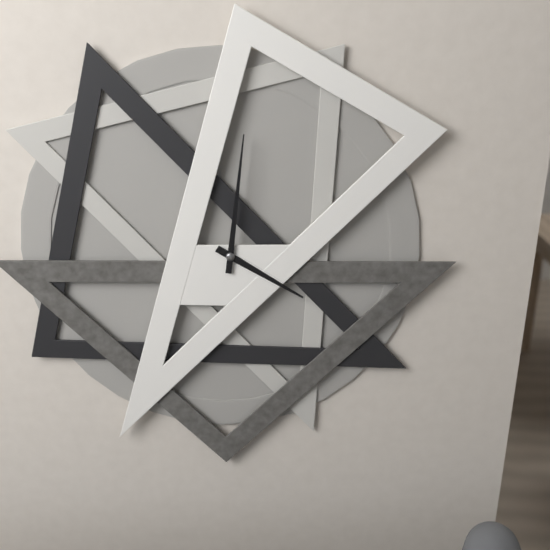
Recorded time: 4:01
